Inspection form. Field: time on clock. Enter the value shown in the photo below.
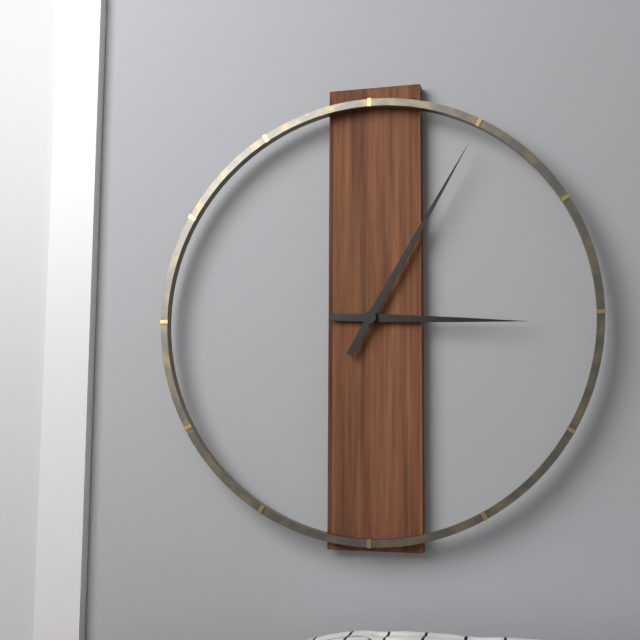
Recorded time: 3:05
